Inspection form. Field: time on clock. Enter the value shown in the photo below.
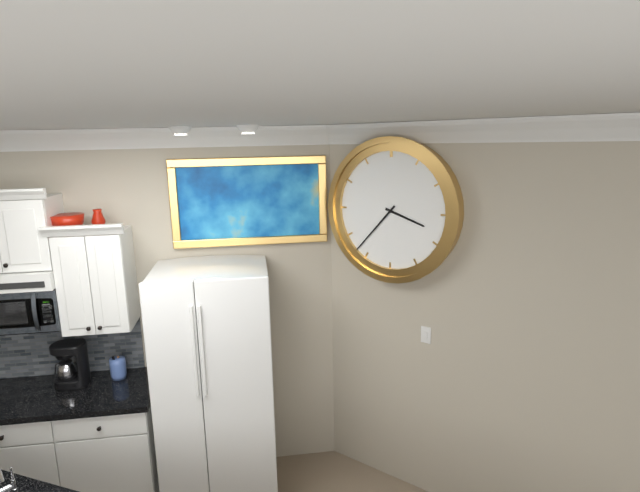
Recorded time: 3:37
